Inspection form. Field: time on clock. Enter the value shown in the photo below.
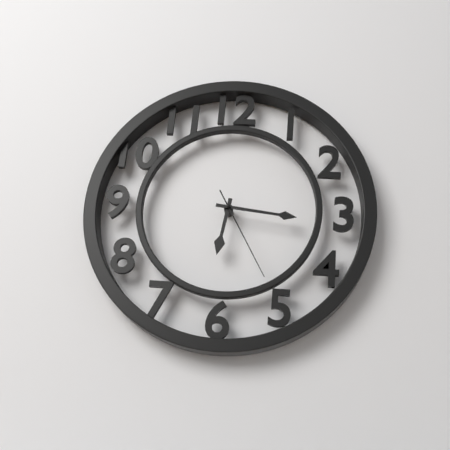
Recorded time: 6:16:25
